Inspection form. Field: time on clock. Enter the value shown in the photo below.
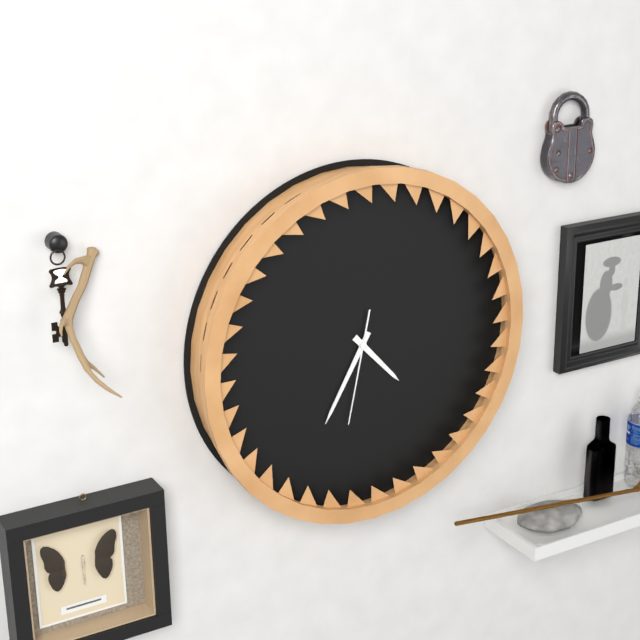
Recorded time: 4:35:32
